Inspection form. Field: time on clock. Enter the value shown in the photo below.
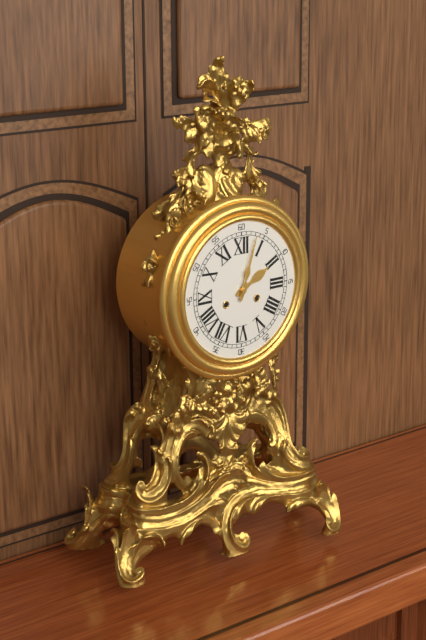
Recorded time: 2:03
